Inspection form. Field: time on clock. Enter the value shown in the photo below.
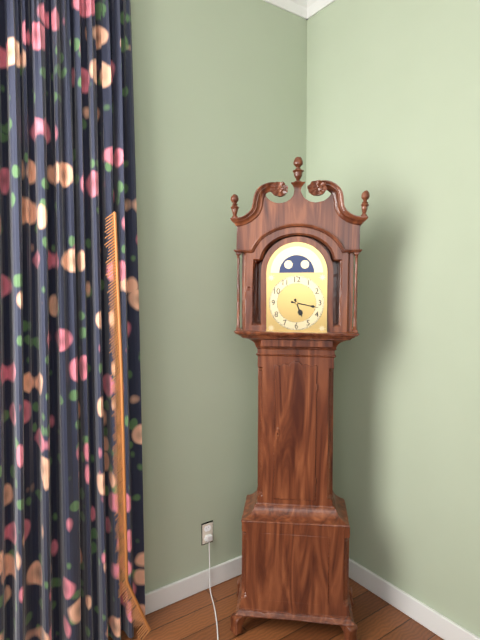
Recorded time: 5:17
